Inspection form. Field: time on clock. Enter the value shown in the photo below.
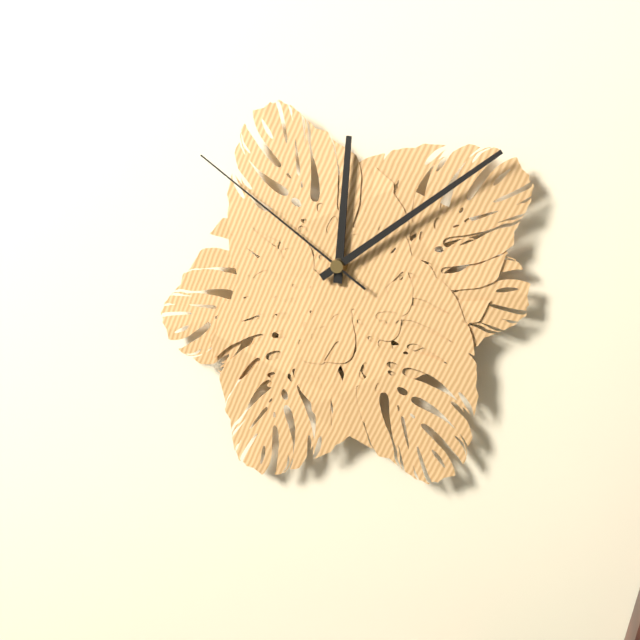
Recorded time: 12:09:51
